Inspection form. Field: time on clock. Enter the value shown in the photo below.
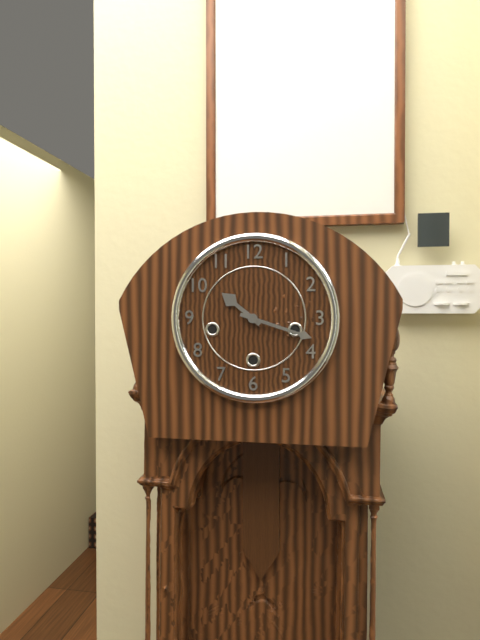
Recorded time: 10:18
